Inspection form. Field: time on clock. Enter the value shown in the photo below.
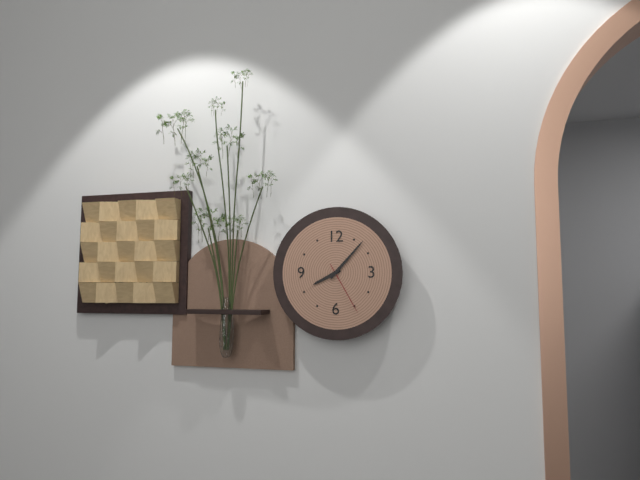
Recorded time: 8:07:25
